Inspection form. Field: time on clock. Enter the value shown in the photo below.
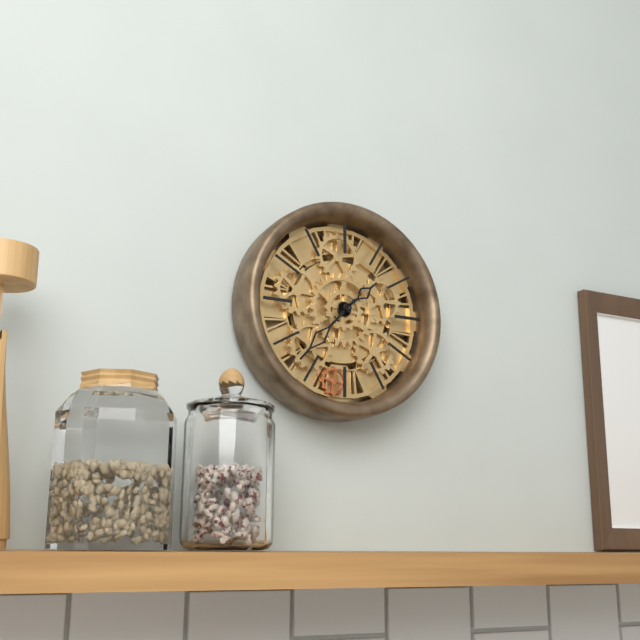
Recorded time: 1:37
